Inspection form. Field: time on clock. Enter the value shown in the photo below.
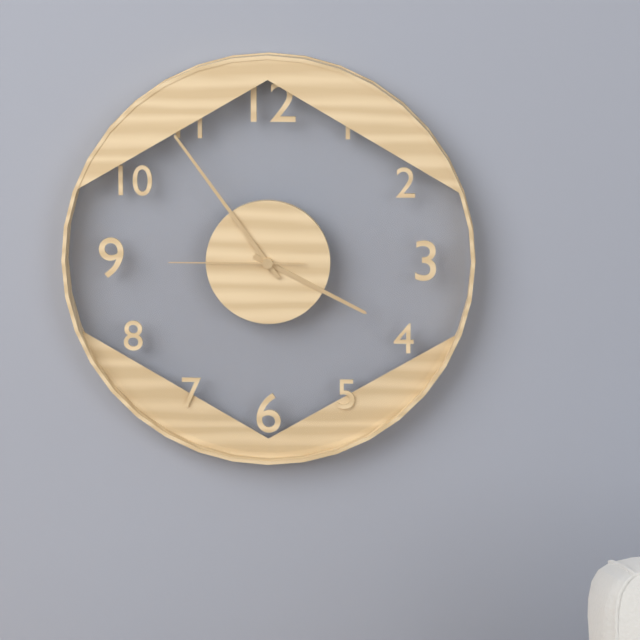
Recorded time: 3:54:45
